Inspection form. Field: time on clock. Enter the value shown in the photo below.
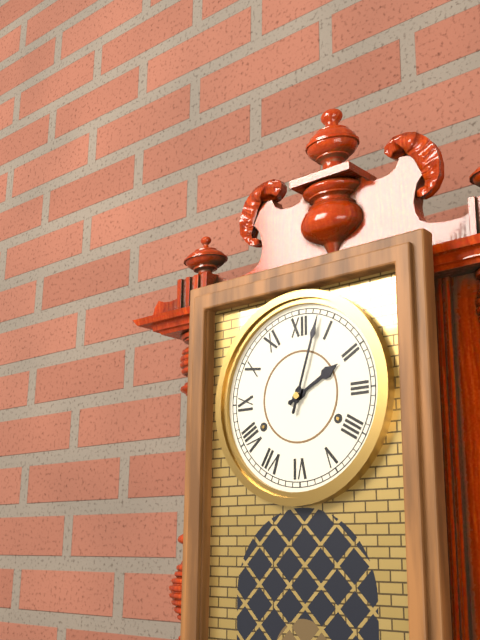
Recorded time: 2:03
